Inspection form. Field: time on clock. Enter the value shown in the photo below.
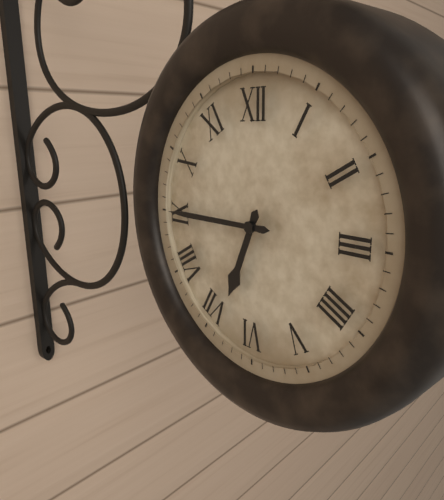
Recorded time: 6:45
